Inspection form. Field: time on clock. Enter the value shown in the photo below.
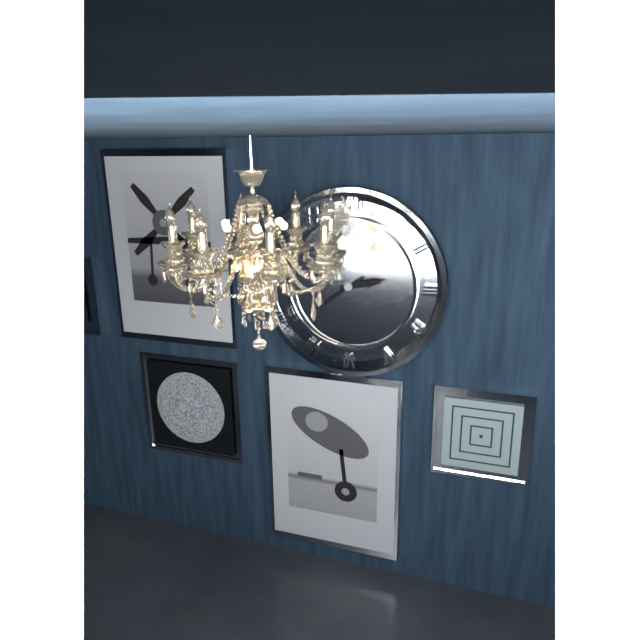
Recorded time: 2:39
